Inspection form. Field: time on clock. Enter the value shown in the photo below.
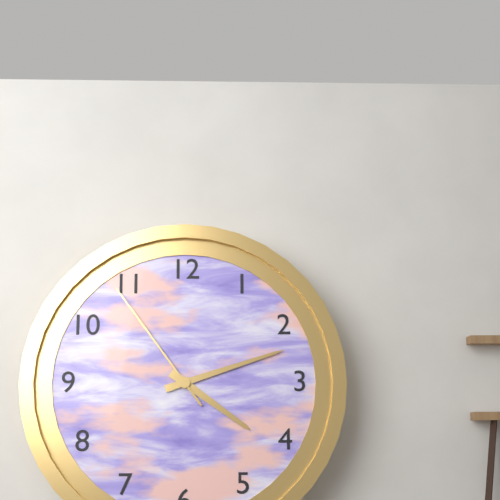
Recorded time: 4:12:54
